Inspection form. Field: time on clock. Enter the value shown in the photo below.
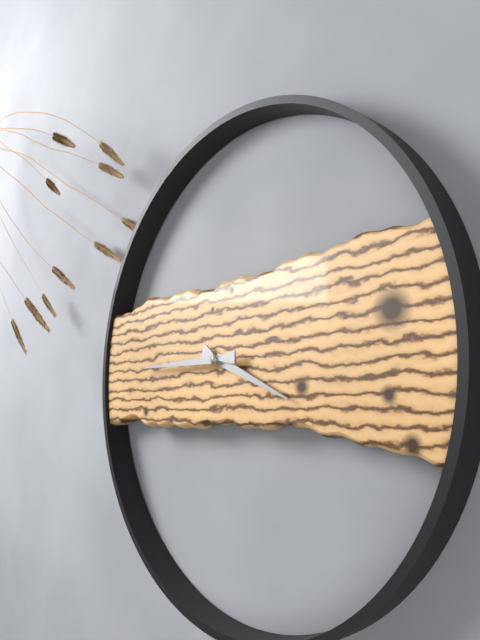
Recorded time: 3:45
